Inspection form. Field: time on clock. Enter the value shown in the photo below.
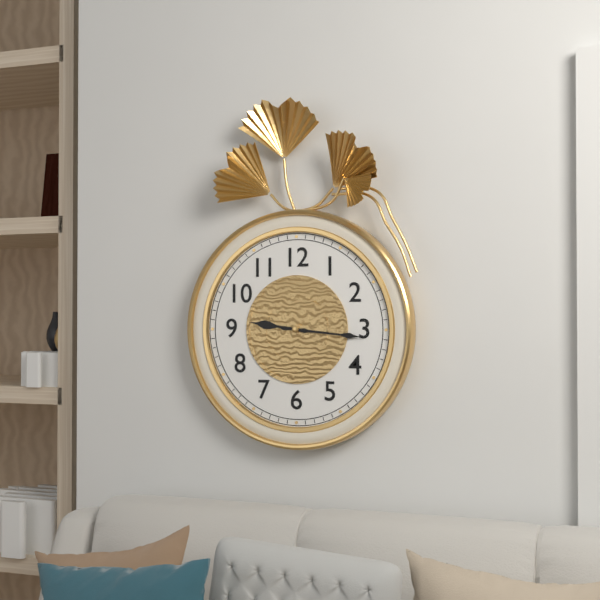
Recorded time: 9:16
